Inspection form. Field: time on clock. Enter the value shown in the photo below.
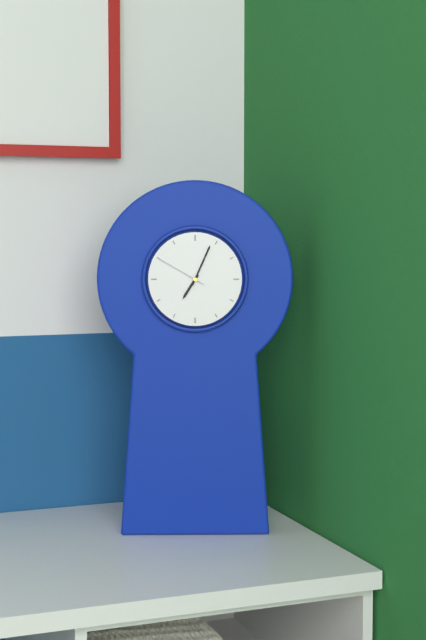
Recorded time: 7:04:50
